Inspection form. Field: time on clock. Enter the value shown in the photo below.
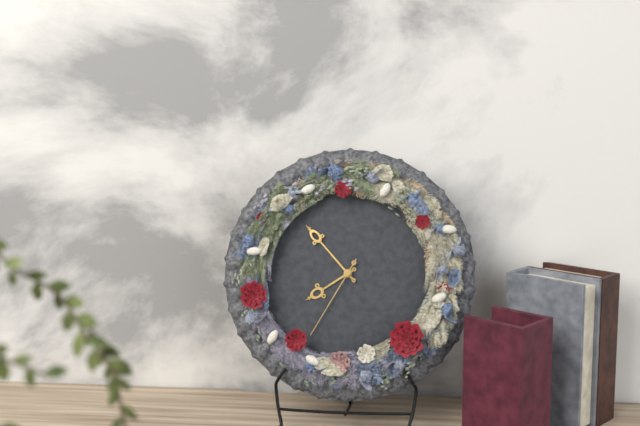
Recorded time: 7:53:35
